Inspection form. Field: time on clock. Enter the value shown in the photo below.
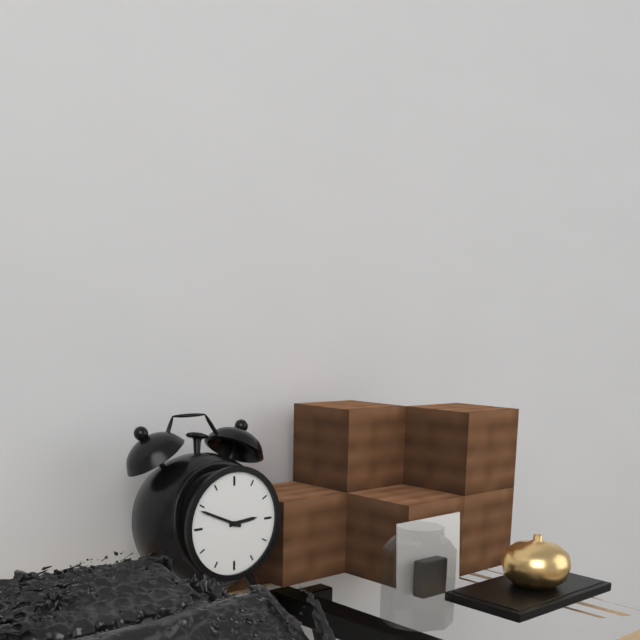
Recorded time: 2:49
